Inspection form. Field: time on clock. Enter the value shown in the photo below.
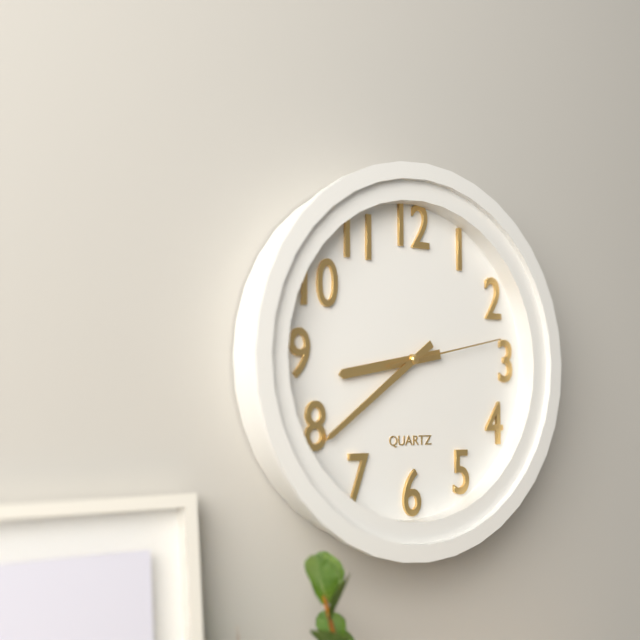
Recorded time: 8:39:13
